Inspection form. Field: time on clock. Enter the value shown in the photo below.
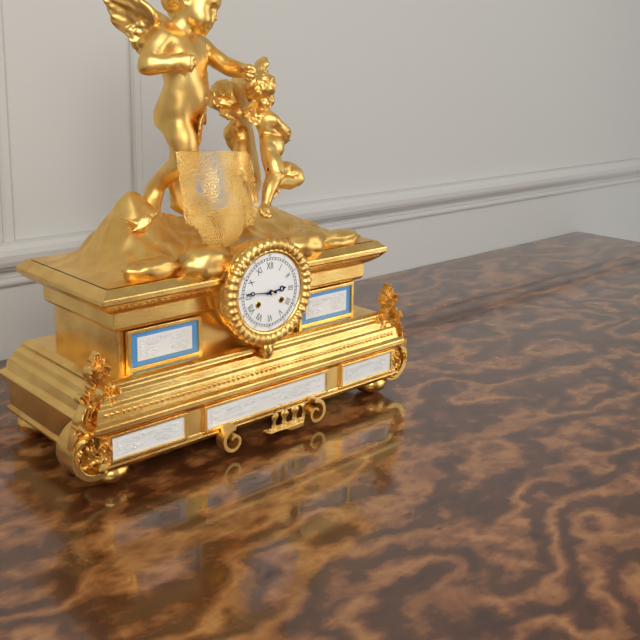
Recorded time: 2:46
